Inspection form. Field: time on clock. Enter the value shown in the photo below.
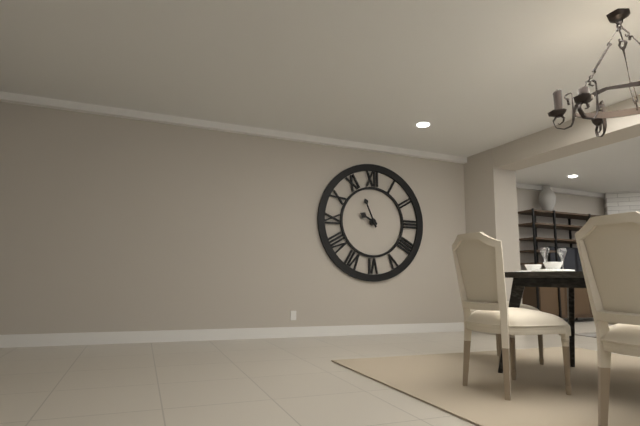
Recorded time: 9:56
